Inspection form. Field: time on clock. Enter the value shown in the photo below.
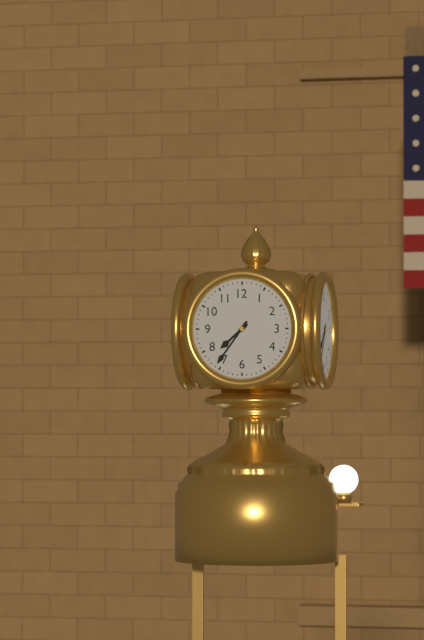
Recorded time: 7:36
